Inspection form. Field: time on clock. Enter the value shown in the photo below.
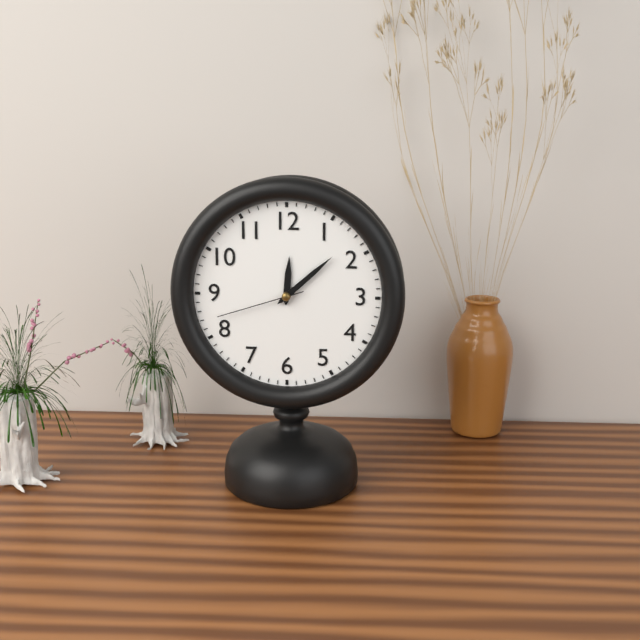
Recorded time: 12:08:42
